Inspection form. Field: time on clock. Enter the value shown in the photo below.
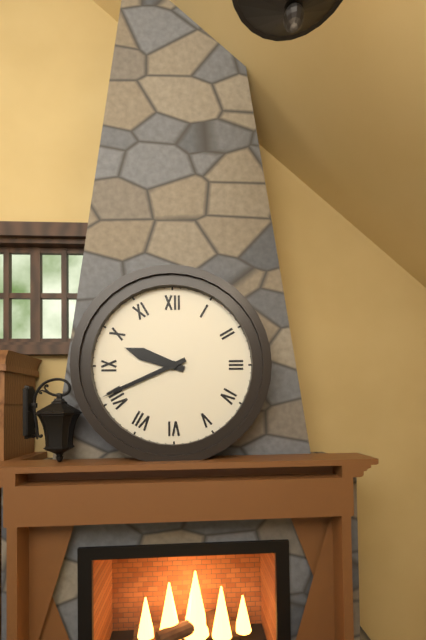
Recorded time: 9:41
